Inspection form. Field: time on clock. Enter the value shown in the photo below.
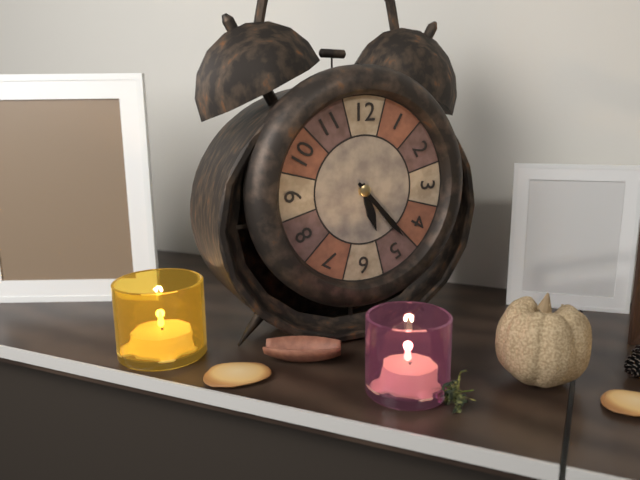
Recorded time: 5:23
